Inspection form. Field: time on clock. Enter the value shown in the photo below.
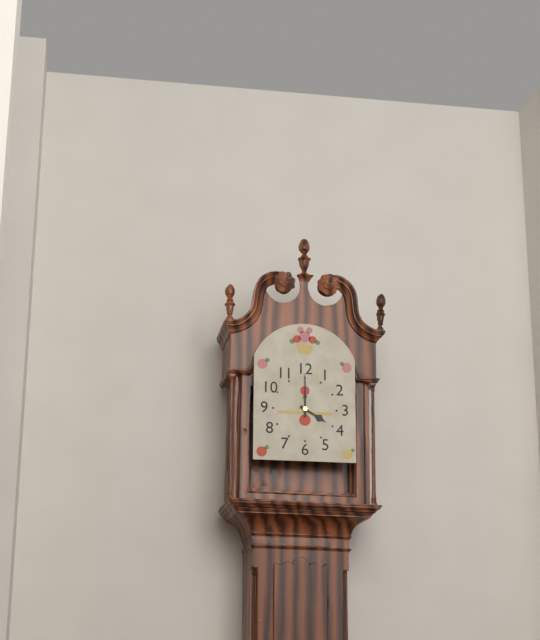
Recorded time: 4:00
